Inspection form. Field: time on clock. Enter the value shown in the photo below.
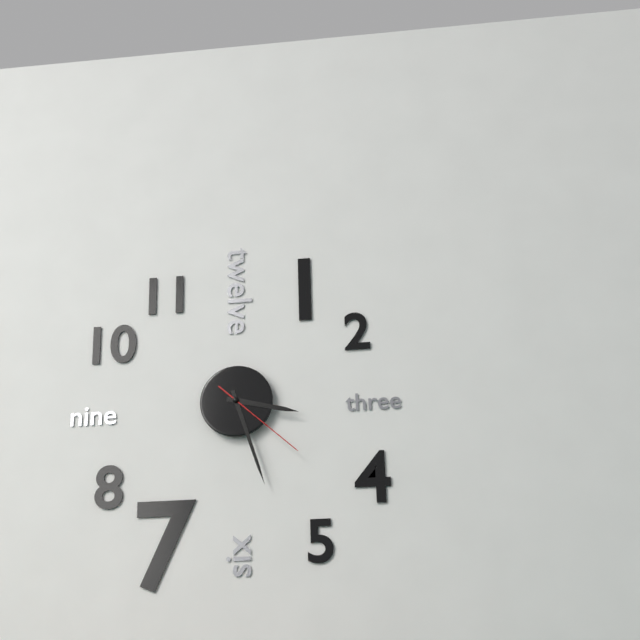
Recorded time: 3:27:22
